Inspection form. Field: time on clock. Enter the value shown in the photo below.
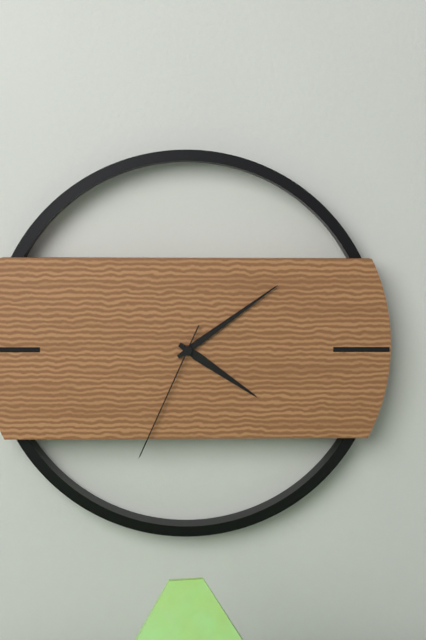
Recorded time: 4:09:34
